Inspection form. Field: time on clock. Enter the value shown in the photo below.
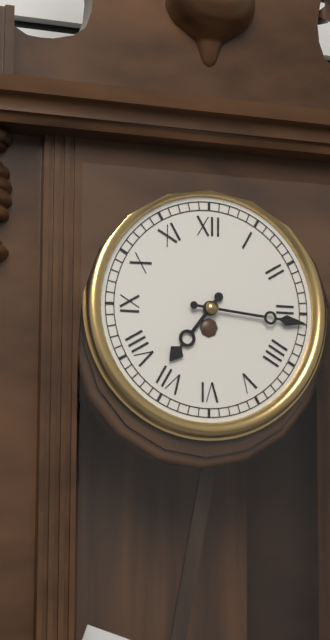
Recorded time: 7:16
